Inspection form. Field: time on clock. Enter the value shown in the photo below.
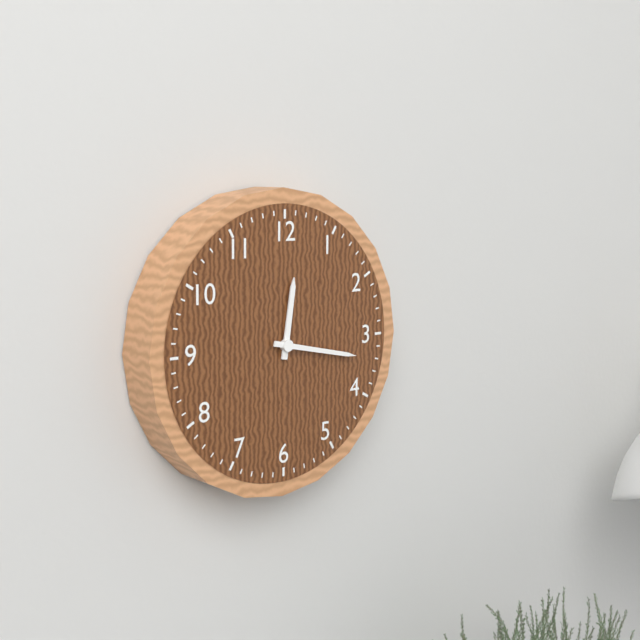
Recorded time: 12:17
